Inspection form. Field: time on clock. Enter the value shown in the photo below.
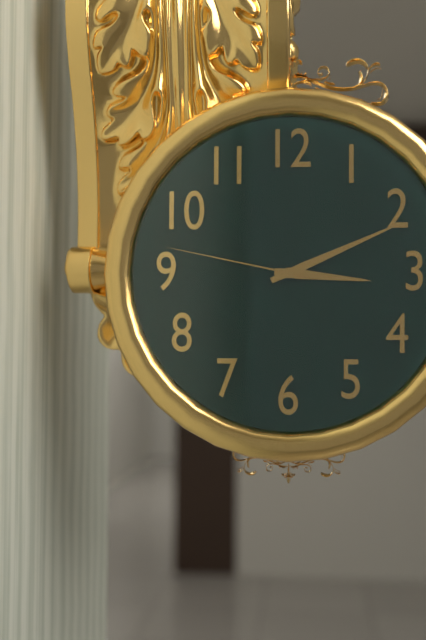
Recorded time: 3:11:47
